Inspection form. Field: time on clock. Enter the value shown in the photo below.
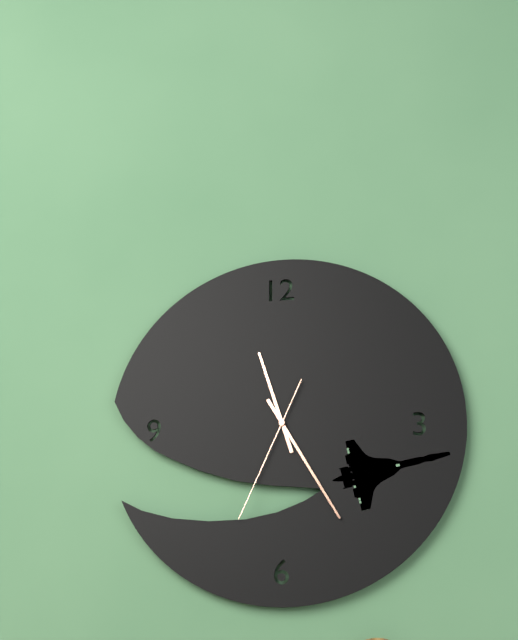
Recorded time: 11:25:34
